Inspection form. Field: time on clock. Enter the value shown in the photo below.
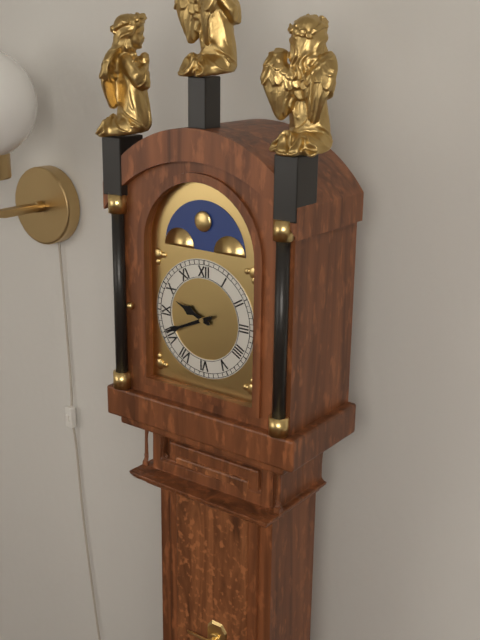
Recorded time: 9:41
